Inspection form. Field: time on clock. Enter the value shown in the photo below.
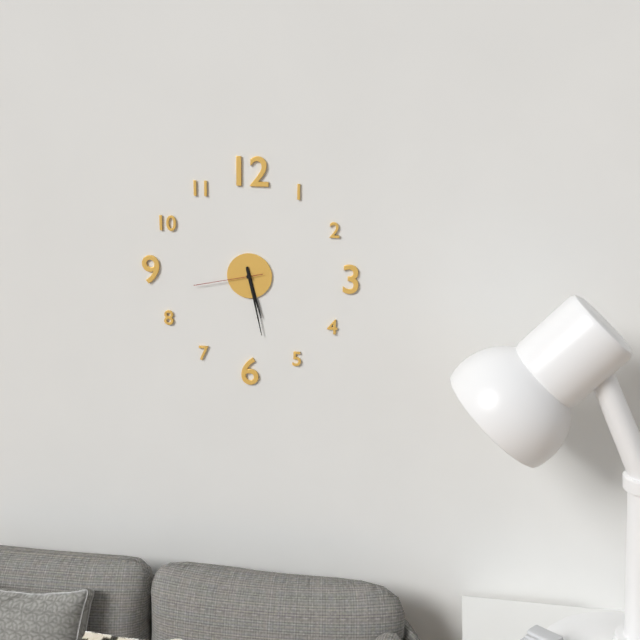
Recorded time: 5:28:43
